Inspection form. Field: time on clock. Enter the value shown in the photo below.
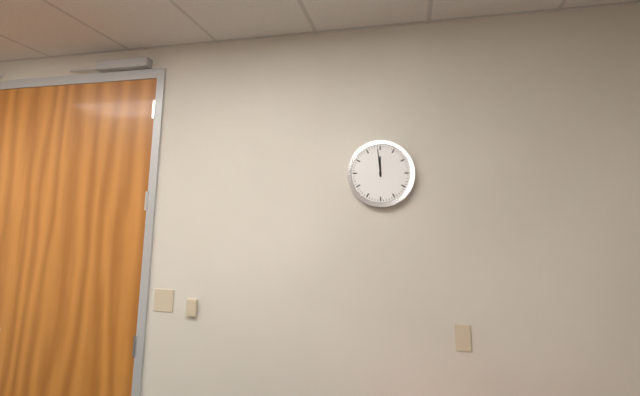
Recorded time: 11:59
